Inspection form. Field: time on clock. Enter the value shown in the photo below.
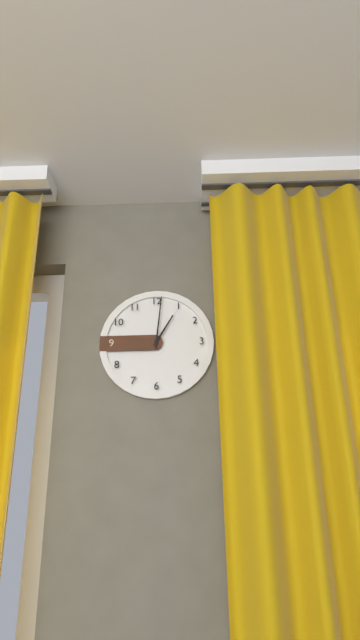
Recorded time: 1:01
